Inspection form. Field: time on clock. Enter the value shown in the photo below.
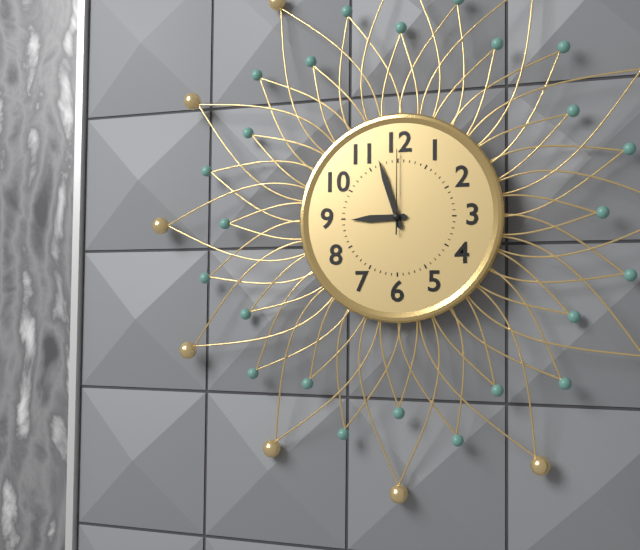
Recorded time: 8:57:00
